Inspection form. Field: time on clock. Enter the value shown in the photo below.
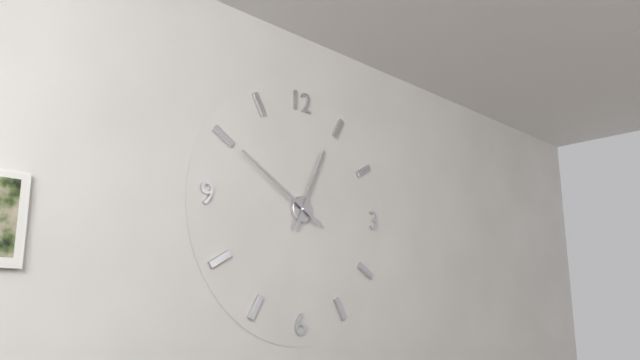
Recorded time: 12:50
